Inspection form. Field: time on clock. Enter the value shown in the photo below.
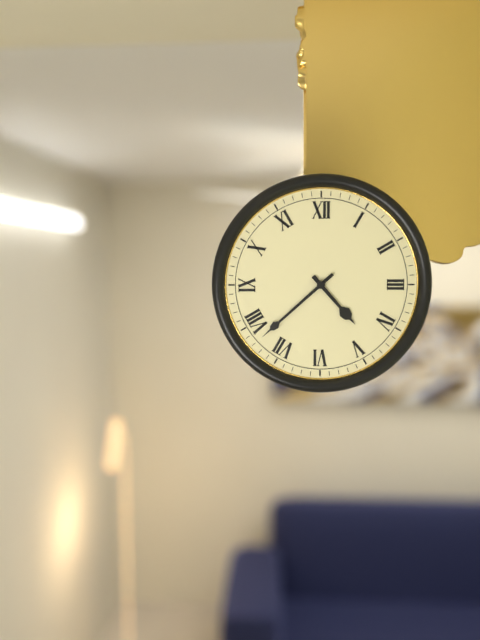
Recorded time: 4:38
